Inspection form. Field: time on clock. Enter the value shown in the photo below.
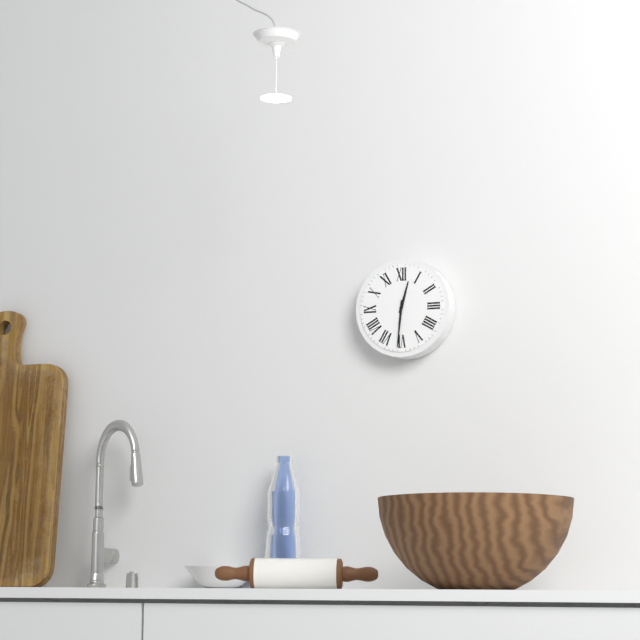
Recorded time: 12:31
